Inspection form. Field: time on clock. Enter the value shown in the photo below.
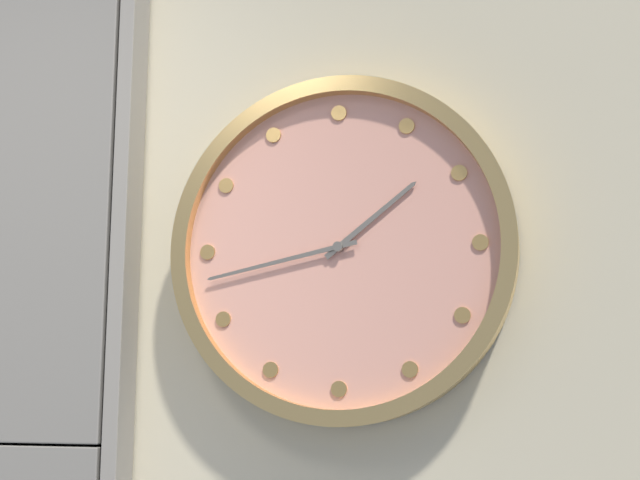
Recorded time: 1:43
